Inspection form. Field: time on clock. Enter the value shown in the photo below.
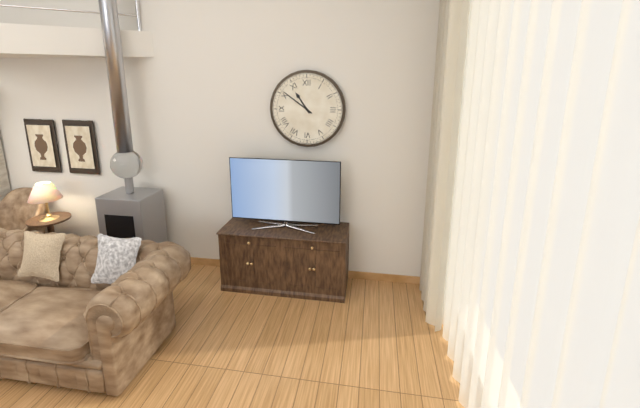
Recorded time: 10:51
